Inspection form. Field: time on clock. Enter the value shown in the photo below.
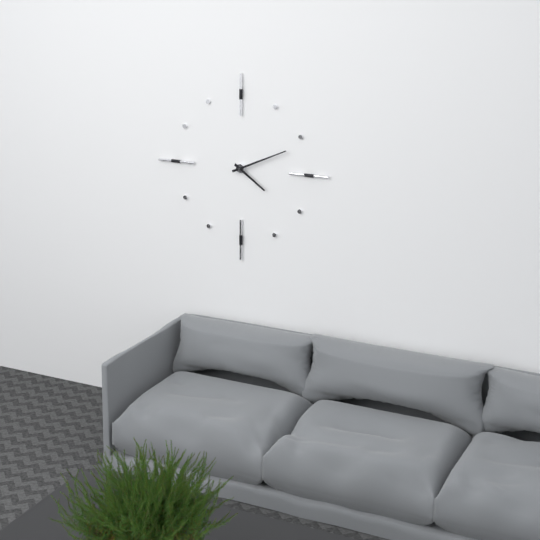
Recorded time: 4:11
